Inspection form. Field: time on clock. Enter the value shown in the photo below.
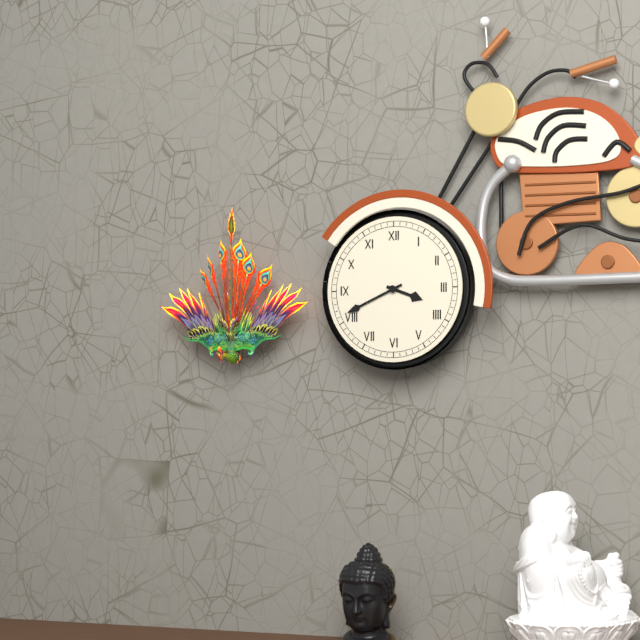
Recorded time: 3:41
